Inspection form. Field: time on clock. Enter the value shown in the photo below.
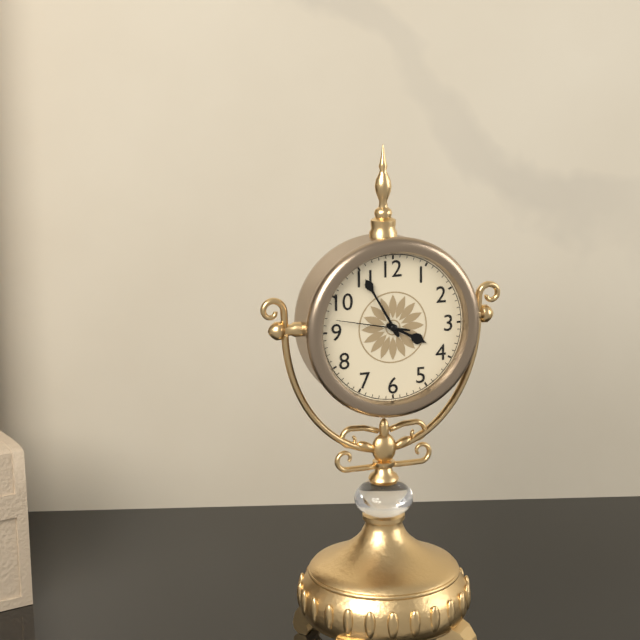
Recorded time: 3:55:47
